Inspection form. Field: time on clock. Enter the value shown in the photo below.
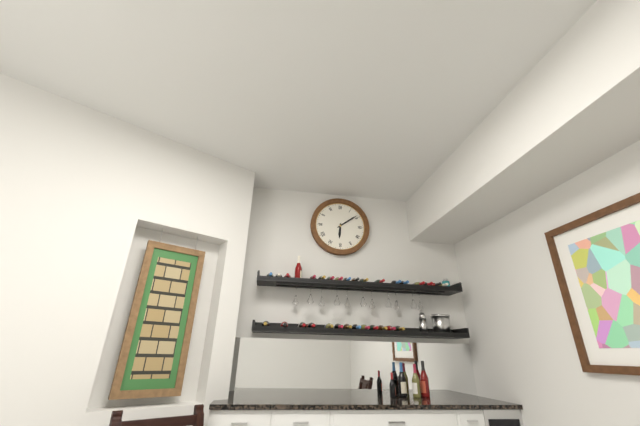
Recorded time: 6:09
